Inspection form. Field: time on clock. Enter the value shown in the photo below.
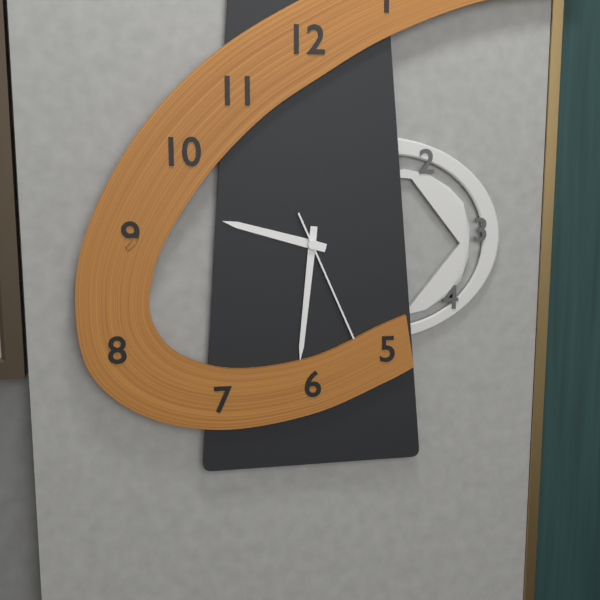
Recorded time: 9:31:26
